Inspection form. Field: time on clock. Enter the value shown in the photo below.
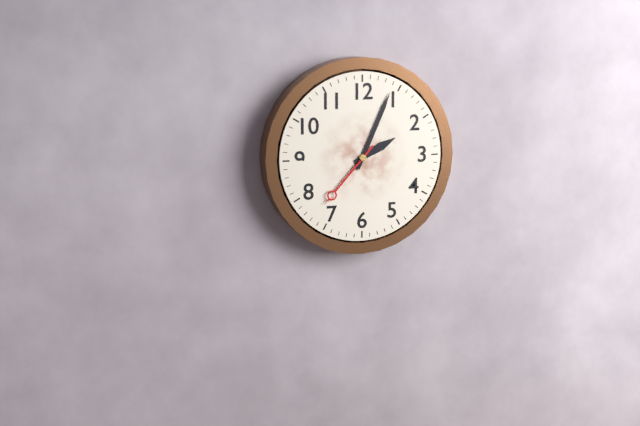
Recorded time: 2:04:37
